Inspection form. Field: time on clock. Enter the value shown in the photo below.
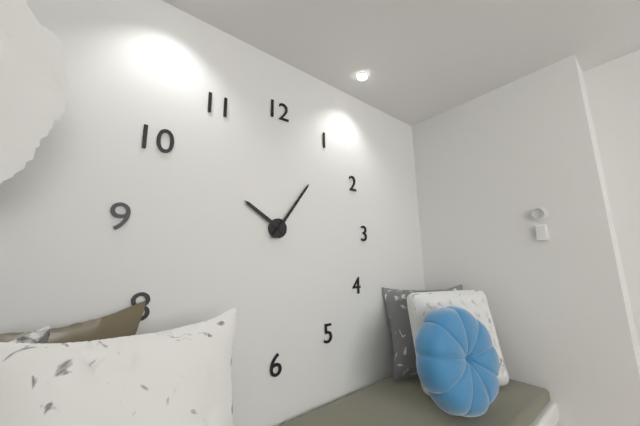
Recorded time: 10:06
